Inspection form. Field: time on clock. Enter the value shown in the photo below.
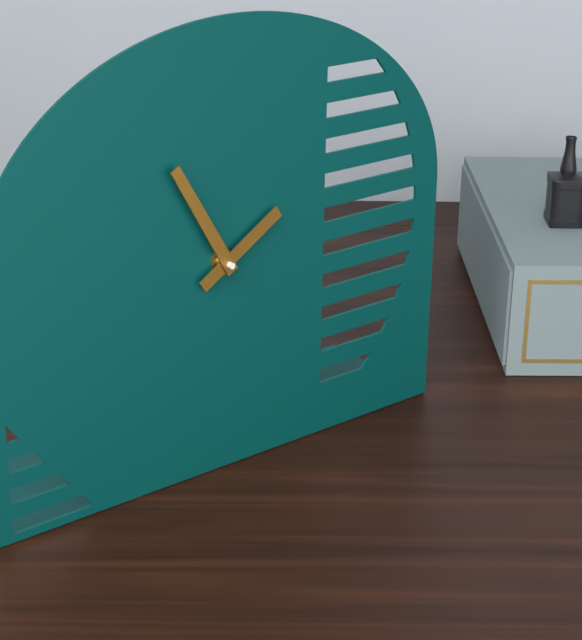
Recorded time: 1:55
